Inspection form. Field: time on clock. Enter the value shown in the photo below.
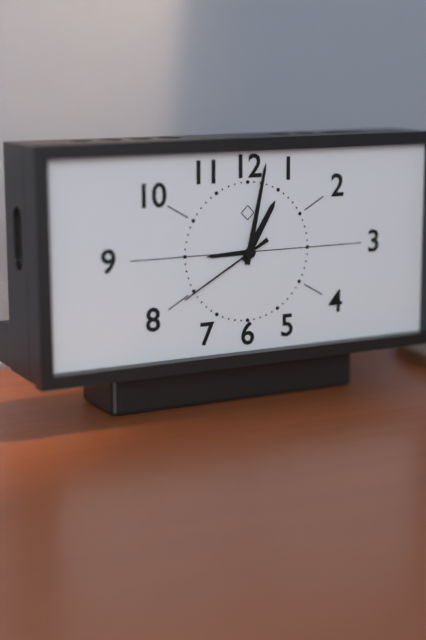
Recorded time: 1:02:40
